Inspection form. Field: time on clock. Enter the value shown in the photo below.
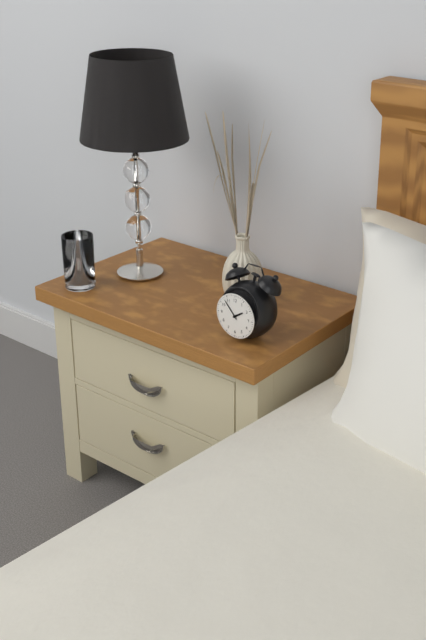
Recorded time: 1:53
